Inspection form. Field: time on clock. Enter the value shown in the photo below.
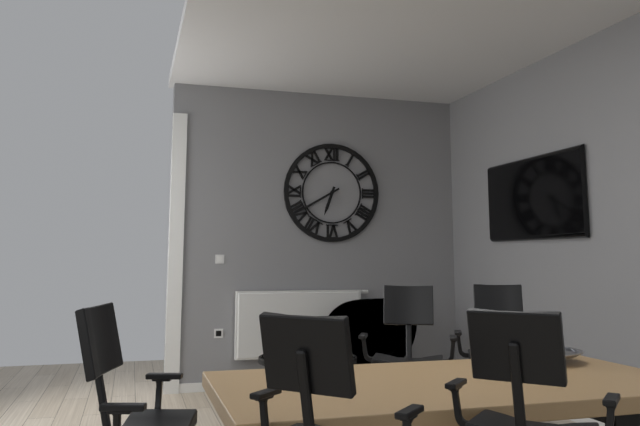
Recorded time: 6:40
